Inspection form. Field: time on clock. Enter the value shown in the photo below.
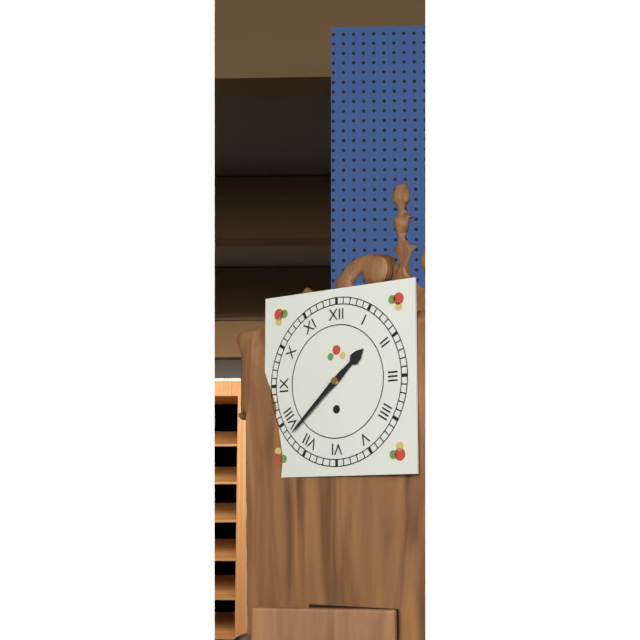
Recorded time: 1:38
